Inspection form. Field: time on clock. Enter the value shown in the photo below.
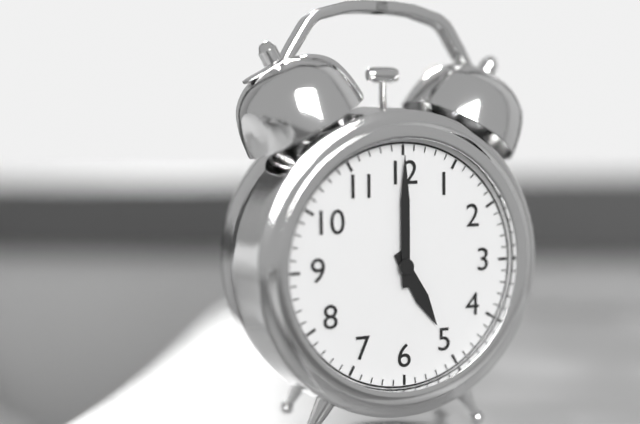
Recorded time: 5:00
